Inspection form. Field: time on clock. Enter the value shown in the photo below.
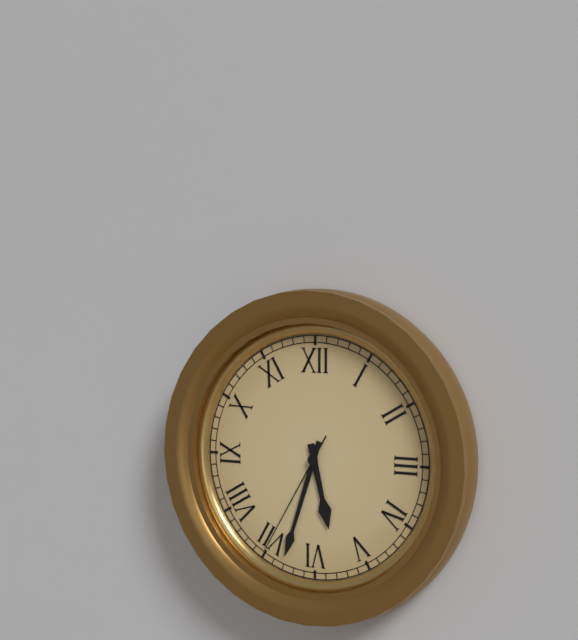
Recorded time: 5:33:35
